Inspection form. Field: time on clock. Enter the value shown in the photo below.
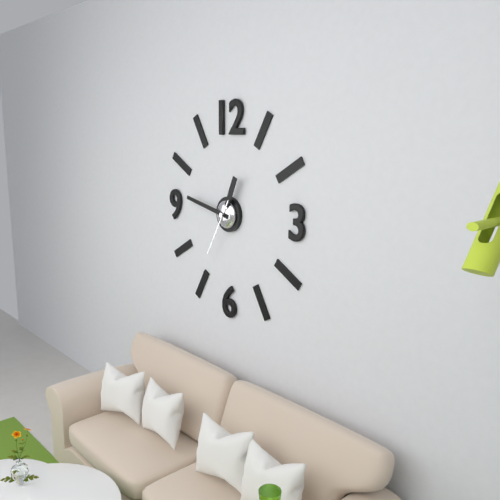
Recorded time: 12:47:35
